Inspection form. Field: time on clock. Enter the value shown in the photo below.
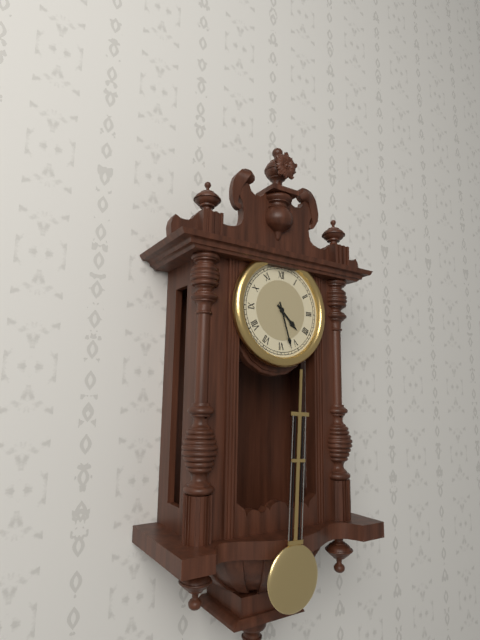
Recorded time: 4:27
